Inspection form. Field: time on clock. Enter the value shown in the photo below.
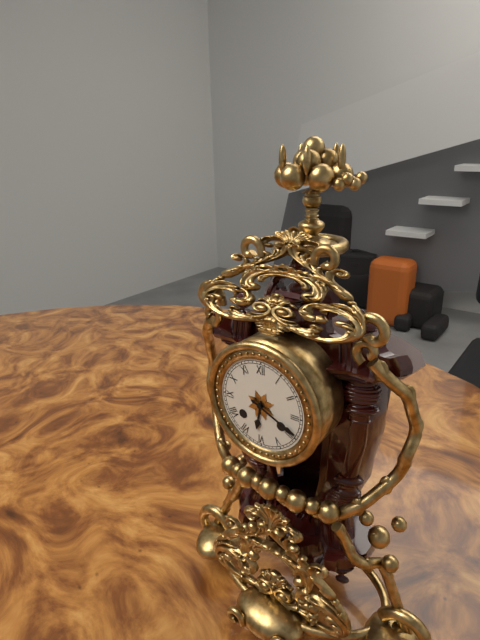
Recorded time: 6:19
